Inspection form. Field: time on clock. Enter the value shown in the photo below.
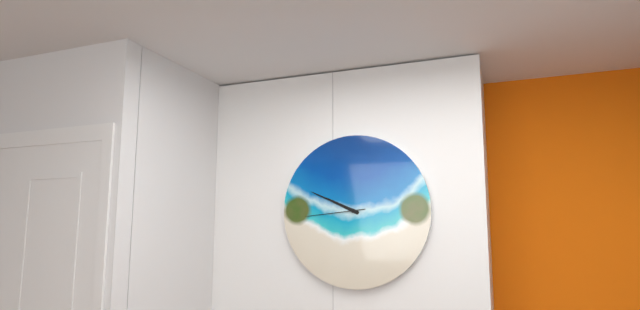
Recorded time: 9:49:44
